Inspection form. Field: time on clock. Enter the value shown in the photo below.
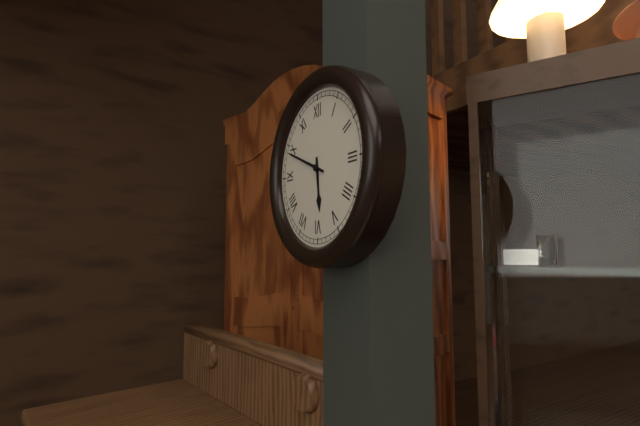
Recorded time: 5:49
